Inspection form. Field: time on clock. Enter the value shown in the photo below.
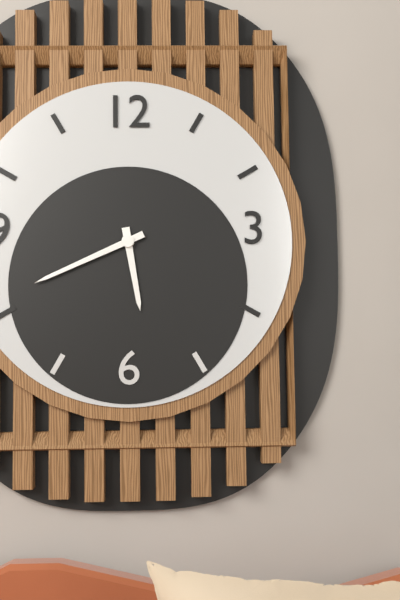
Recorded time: 5:41
